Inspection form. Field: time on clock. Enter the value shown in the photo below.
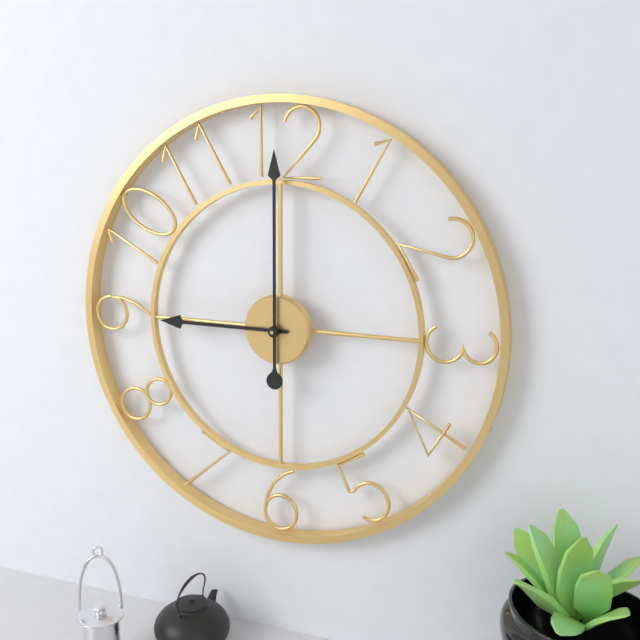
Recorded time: 9:00
